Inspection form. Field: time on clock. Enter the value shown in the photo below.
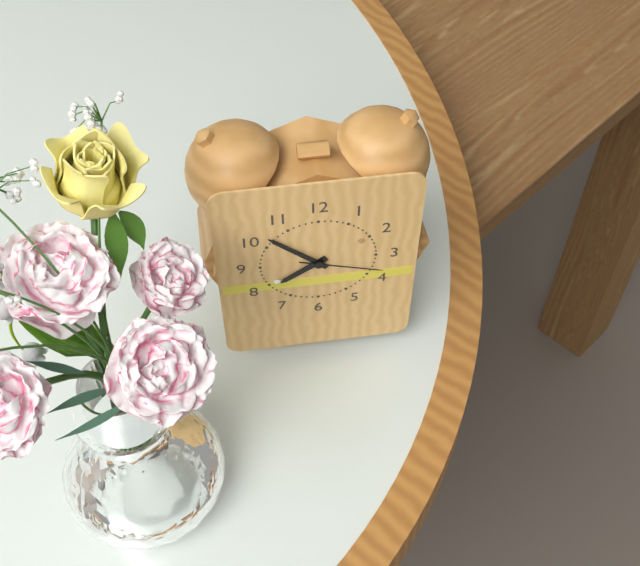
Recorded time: 7:52:18
